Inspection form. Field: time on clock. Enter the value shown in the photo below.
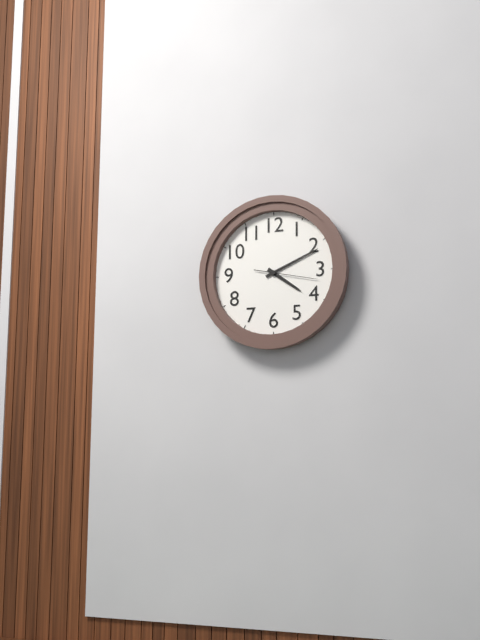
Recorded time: 4:11:17
